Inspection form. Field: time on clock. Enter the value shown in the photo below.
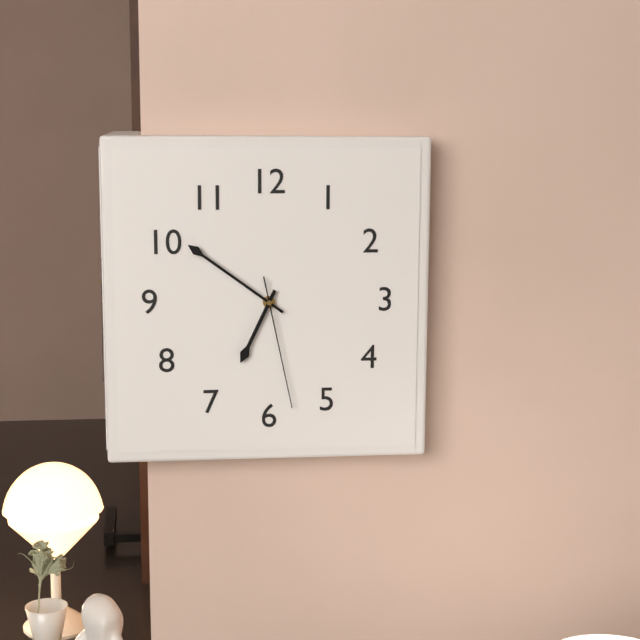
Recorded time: 6:51:28
